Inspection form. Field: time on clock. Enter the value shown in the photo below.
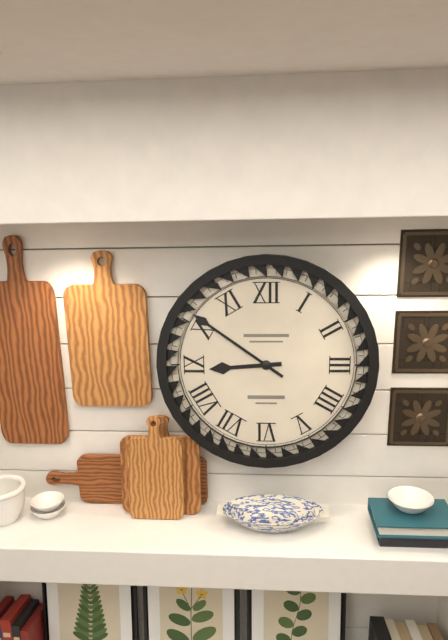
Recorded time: 8:51
